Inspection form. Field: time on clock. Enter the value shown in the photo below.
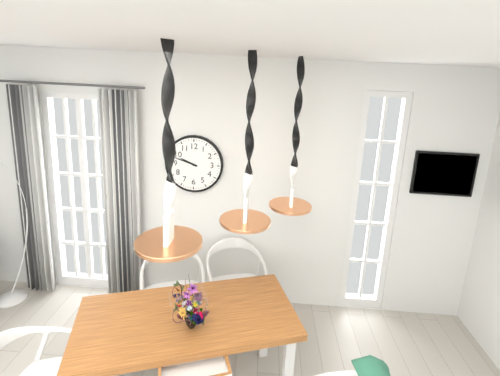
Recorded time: 9:48
